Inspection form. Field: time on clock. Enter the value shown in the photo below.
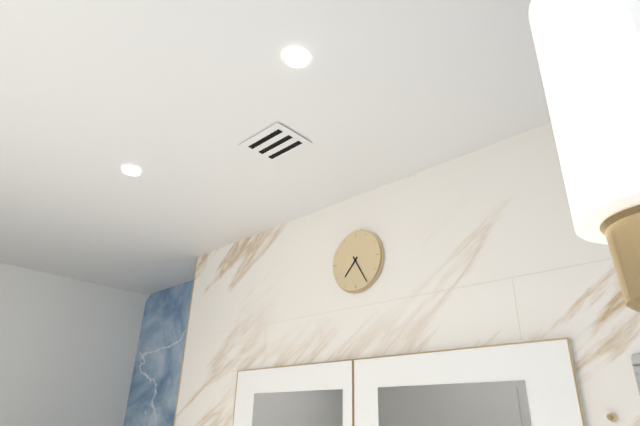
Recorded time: 7:25
